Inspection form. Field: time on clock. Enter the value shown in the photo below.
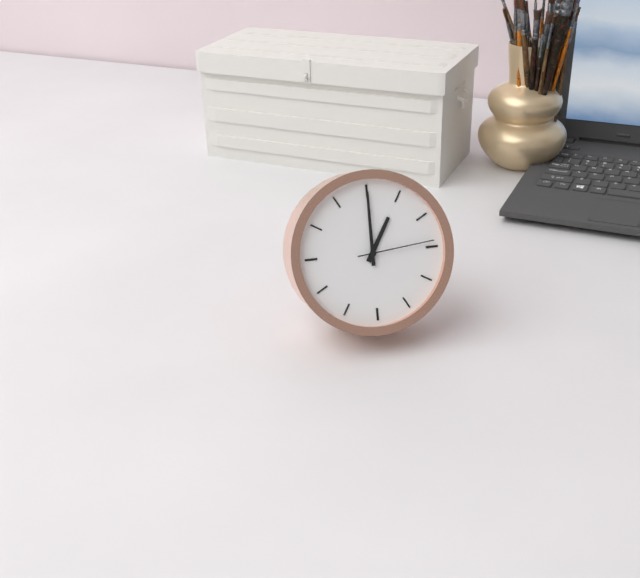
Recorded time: 1:00:14
